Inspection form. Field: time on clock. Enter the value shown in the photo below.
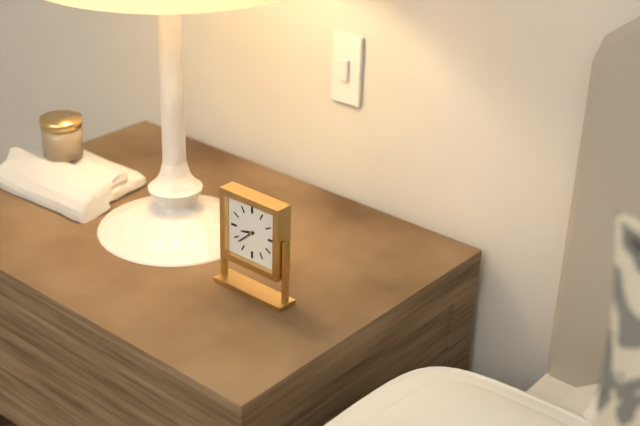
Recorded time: 8:38
